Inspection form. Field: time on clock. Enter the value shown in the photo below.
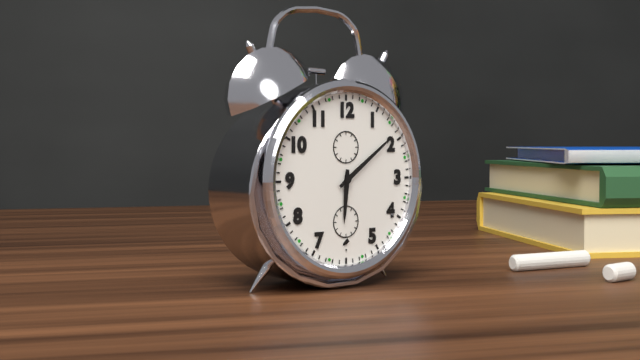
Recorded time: 6:09
